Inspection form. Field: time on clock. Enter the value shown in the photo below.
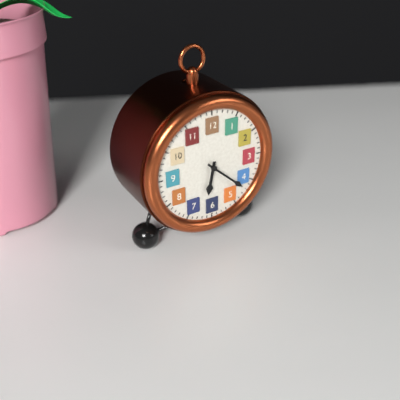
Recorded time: 6:22
